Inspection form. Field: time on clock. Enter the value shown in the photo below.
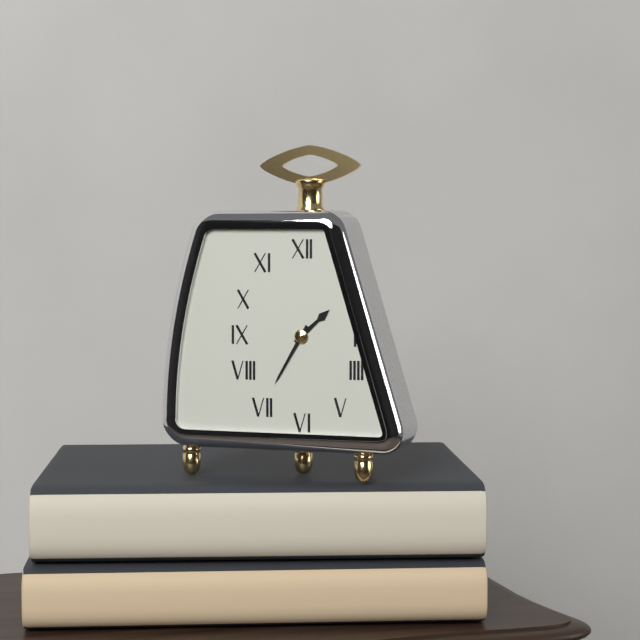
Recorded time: 1:35
